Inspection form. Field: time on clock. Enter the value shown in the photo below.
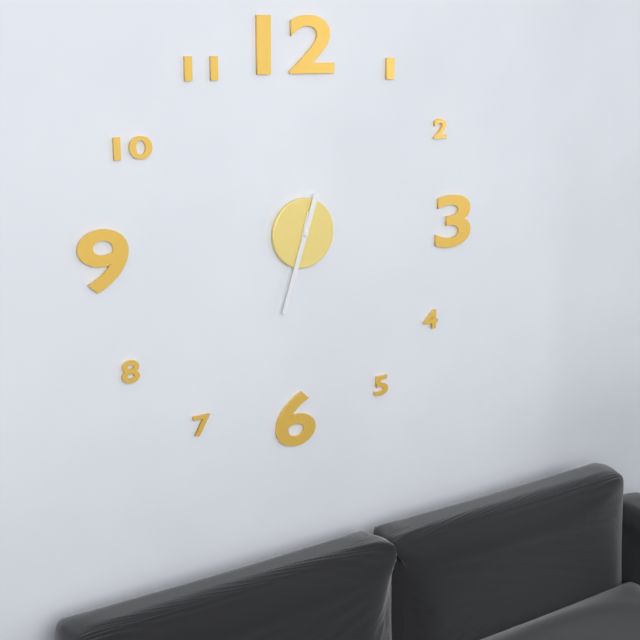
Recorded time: 6:33
